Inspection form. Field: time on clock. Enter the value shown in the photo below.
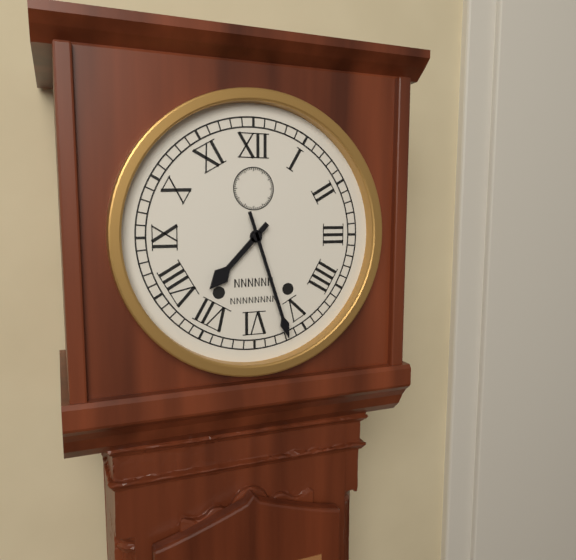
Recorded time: 7:27
